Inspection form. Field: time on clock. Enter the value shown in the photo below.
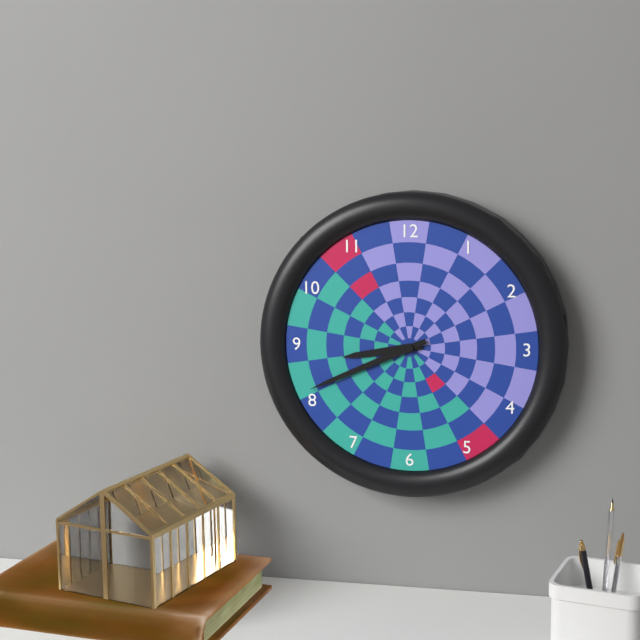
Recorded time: 8:41
